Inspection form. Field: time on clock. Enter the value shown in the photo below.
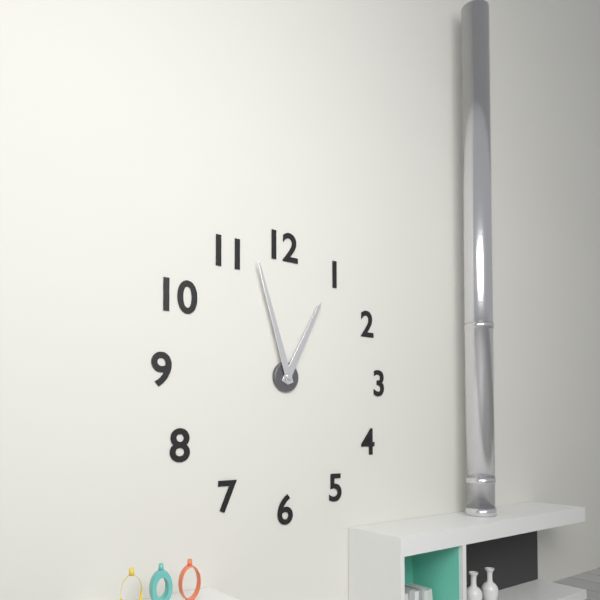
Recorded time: 12:57
